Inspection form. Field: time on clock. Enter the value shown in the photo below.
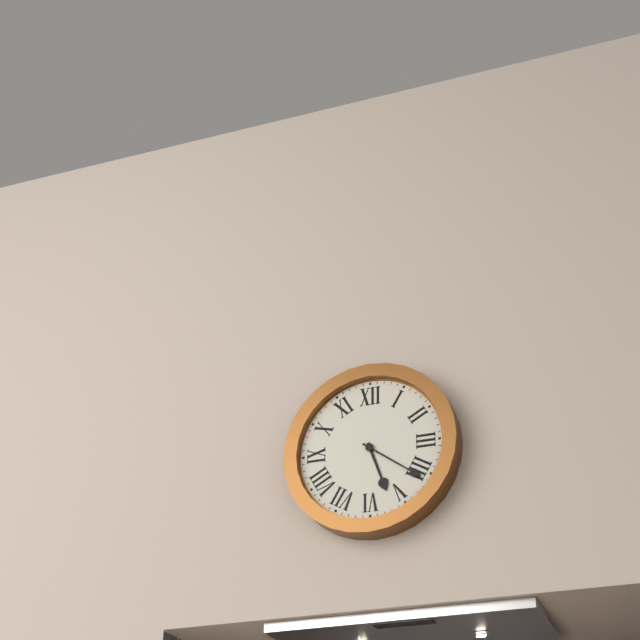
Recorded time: 5:21
